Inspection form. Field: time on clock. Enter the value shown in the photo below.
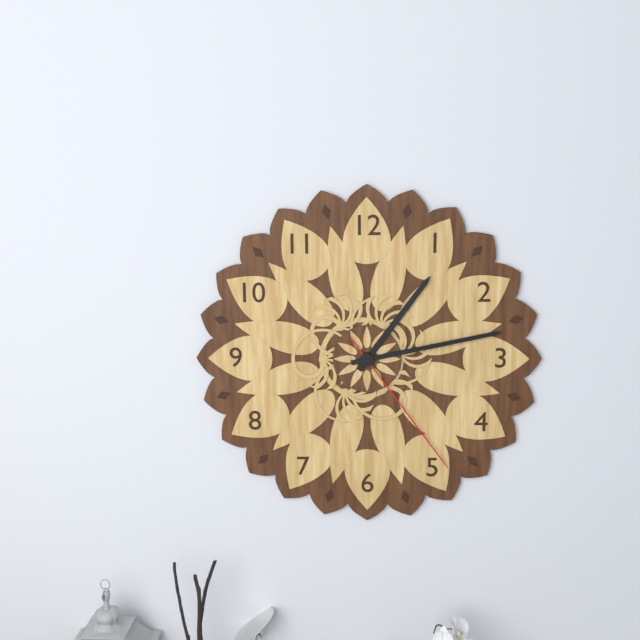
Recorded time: 1:13:24
